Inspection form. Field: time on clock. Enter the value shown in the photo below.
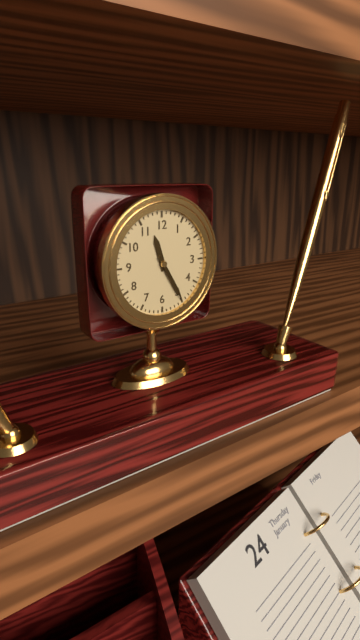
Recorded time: 11:25
